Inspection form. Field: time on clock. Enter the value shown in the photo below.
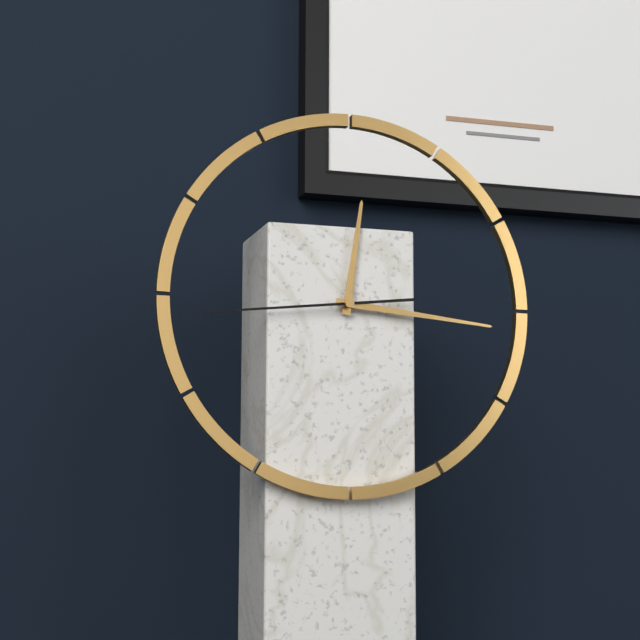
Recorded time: 12:16:44
